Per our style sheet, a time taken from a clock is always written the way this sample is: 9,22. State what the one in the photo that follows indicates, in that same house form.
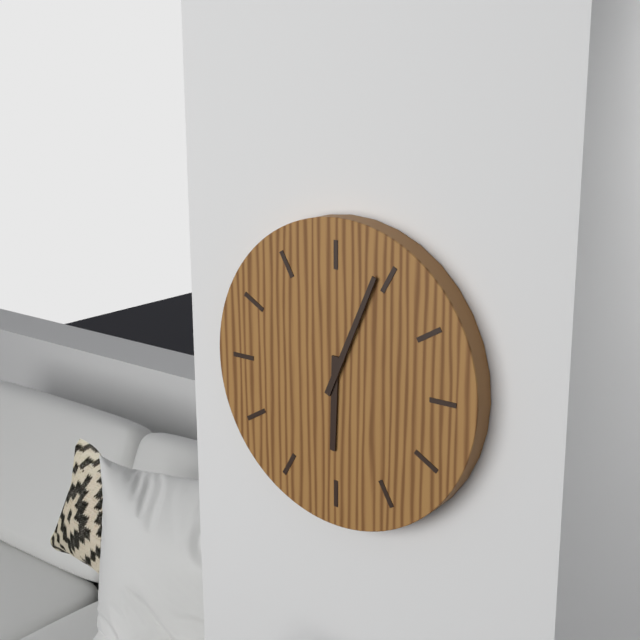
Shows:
6,04
